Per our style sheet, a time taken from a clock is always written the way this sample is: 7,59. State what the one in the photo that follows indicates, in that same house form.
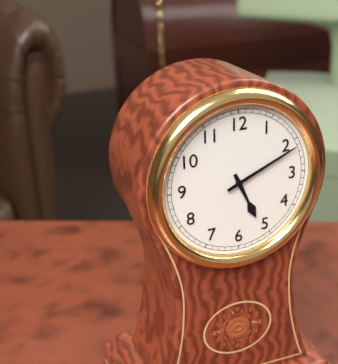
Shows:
5,11
